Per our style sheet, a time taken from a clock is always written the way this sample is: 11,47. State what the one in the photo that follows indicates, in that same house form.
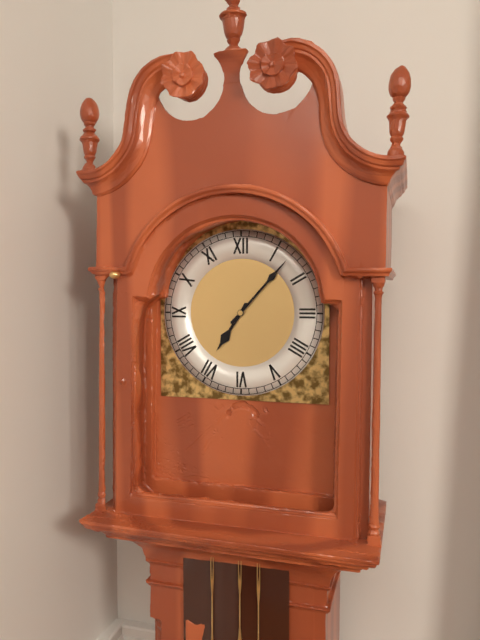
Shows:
7,07
